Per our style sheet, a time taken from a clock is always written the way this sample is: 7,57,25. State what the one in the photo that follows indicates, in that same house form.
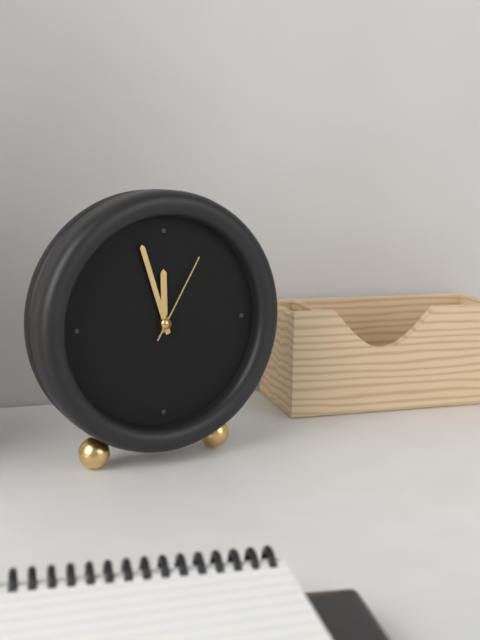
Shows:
11,57,05
